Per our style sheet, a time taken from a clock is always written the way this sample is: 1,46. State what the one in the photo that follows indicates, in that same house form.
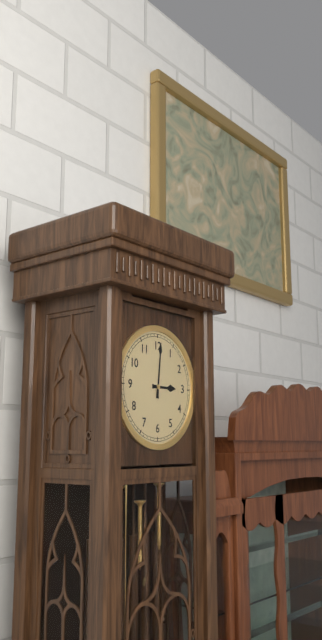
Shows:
3,01
